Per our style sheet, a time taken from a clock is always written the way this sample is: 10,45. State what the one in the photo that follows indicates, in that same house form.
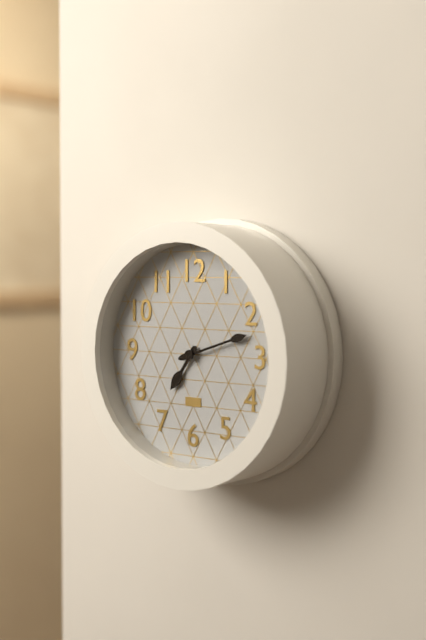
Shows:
7,12
